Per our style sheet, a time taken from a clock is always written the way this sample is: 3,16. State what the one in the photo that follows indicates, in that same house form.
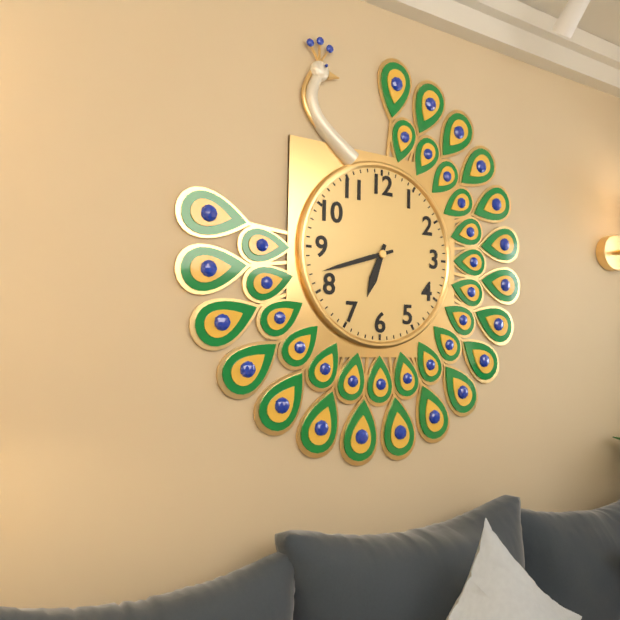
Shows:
6,42
